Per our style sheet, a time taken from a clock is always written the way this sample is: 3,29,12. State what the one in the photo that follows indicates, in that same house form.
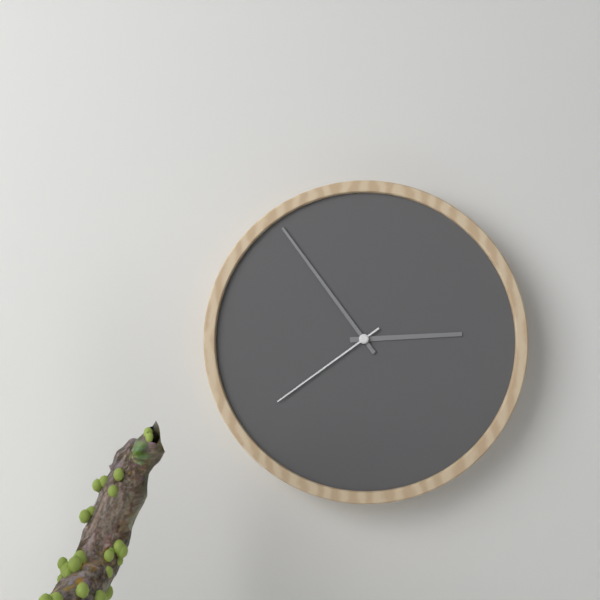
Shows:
2,54,39
